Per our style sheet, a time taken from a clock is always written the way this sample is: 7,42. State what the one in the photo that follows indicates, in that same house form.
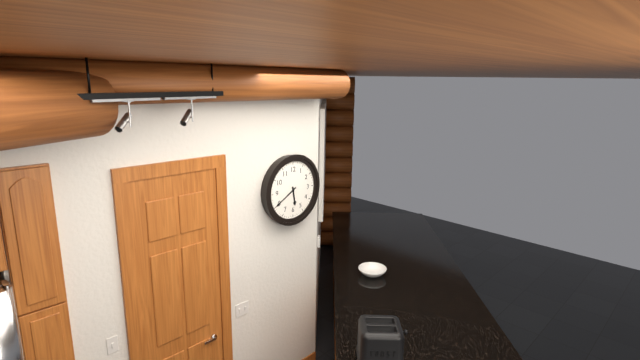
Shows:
5,40
